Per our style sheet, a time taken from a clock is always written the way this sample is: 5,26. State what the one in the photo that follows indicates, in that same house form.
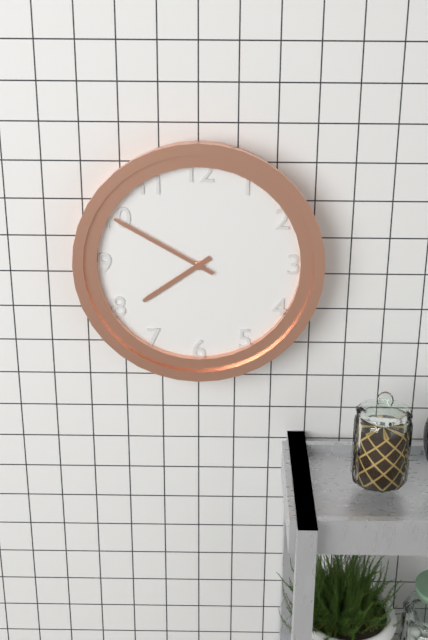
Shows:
7,50
